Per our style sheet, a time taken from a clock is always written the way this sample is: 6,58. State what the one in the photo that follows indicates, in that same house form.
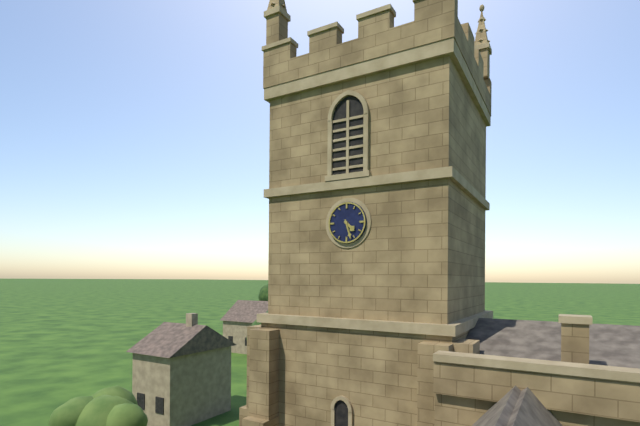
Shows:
4,27
